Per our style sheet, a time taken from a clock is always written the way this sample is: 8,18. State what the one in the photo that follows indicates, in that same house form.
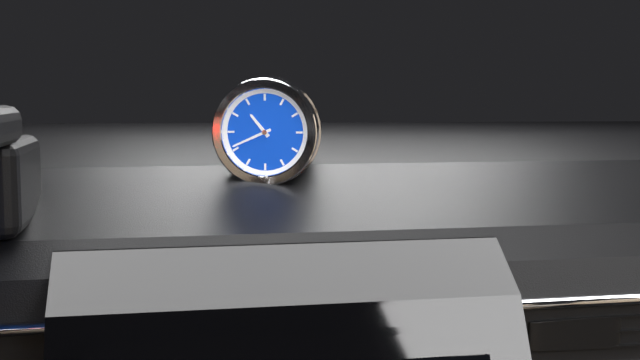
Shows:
10,41
